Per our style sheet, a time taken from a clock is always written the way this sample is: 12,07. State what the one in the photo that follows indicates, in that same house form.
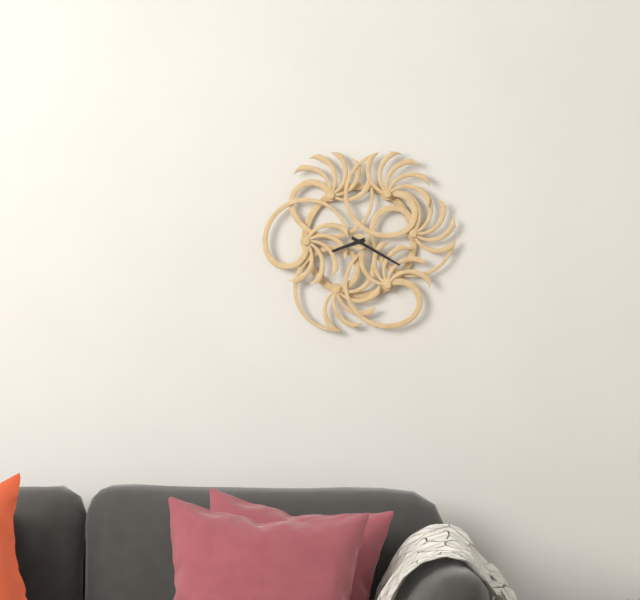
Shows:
8,20
